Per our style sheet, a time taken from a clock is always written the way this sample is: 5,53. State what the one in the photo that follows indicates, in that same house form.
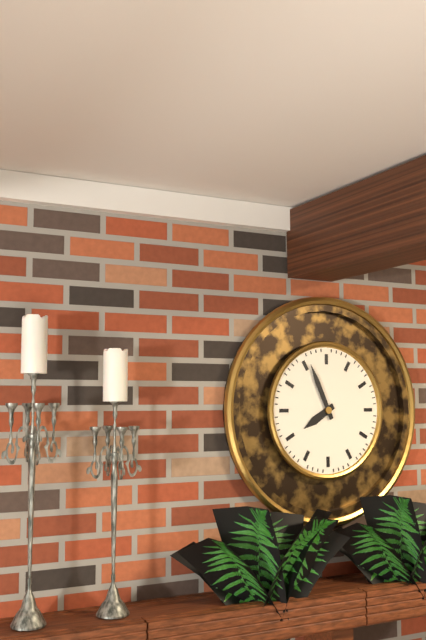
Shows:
7,56
